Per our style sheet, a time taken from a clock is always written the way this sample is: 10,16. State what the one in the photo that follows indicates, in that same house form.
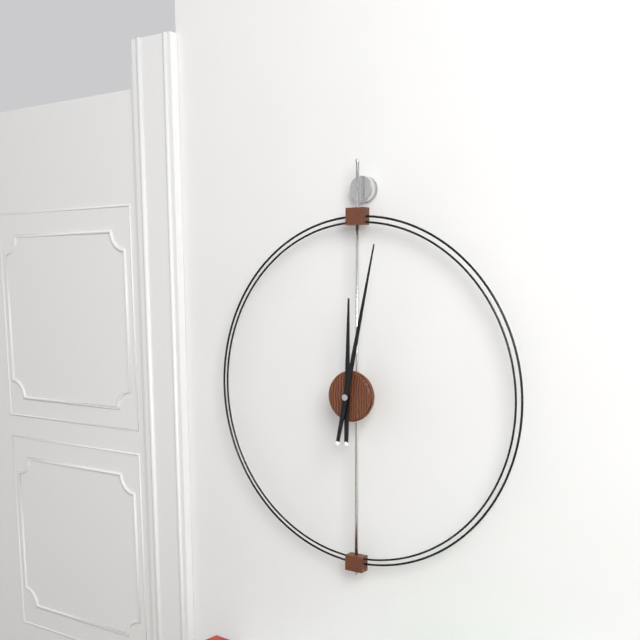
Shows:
12,02
